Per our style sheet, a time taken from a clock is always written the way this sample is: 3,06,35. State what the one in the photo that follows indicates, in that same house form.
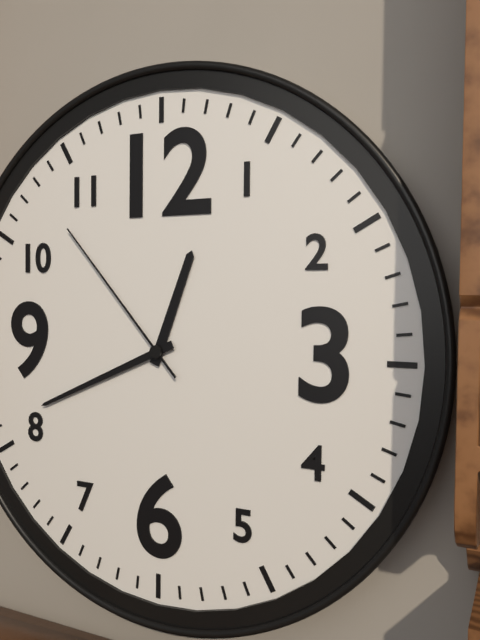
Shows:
12,41,53
